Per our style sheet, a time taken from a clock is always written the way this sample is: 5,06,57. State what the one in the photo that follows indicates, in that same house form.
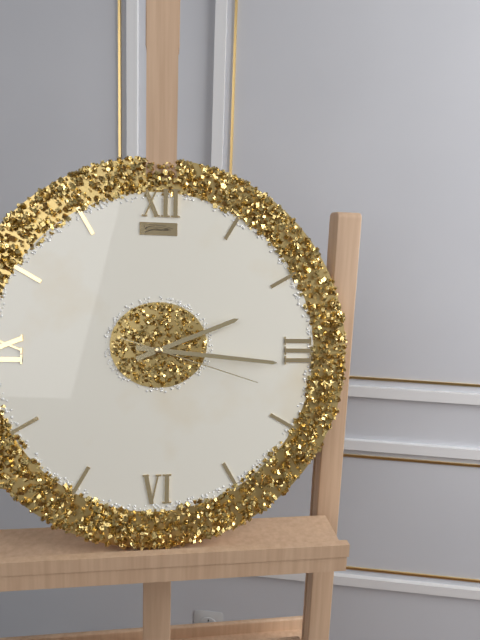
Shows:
2,16,18
